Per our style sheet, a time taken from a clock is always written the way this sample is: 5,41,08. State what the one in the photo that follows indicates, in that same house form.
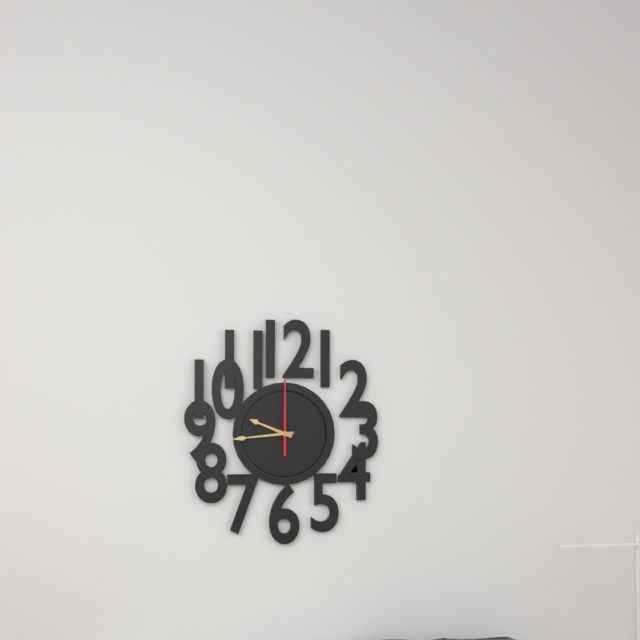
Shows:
9,44,00
